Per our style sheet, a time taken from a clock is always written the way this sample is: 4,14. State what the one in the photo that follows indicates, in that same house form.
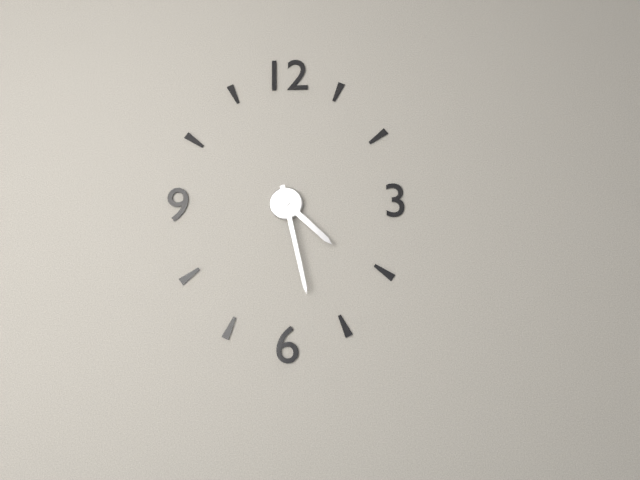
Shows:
4,28
